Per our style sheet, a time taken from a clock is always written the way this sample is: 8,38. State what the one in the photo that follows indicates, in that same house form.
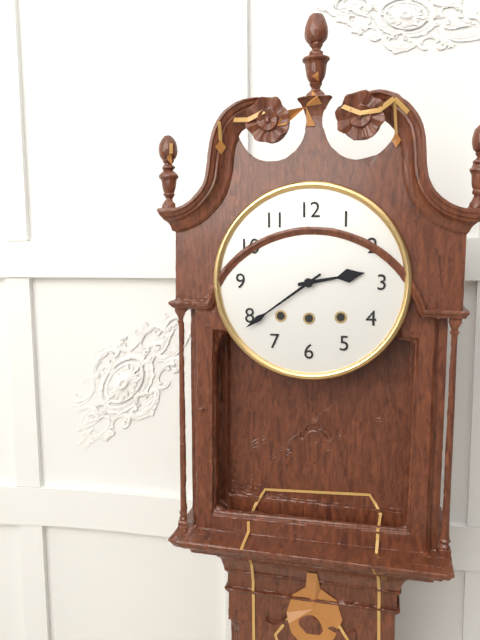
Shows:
2,39
